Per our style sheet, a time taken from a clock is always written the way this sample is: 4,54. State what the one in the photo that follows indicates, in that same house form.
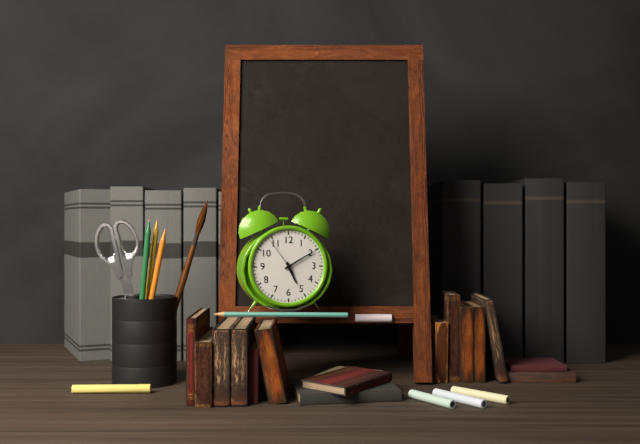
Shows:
5,10
